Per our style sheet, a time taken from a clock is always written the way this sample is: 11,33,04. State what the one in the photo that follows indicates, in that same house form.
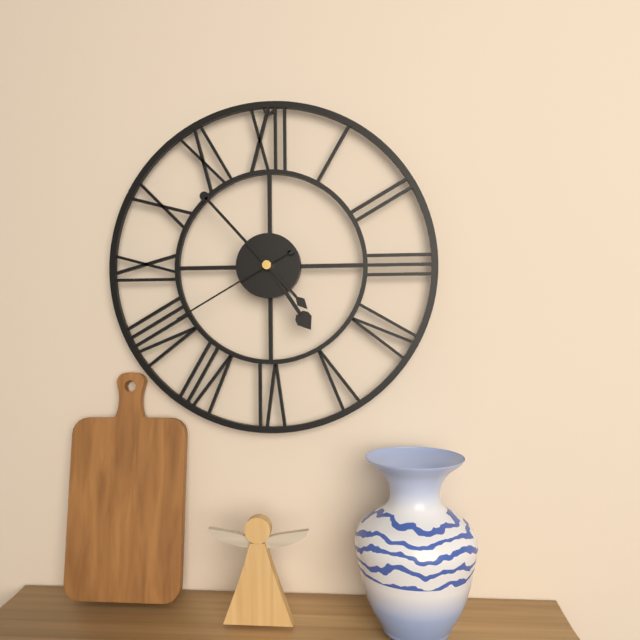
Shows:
4,53,40
